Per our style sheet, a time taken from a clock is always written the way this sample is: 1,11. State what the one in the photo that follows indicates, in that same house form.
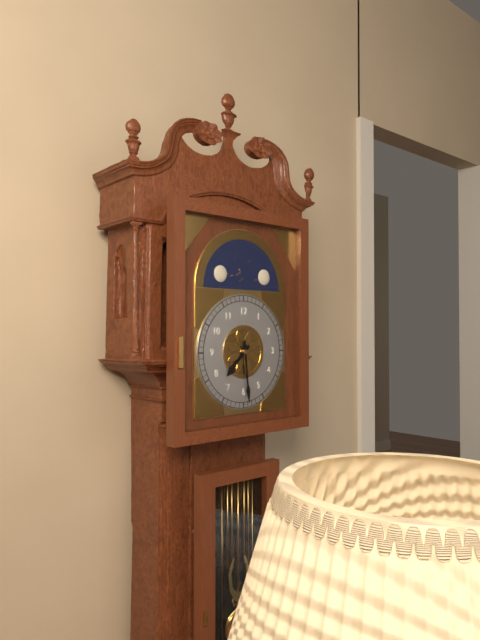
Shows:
7,29
